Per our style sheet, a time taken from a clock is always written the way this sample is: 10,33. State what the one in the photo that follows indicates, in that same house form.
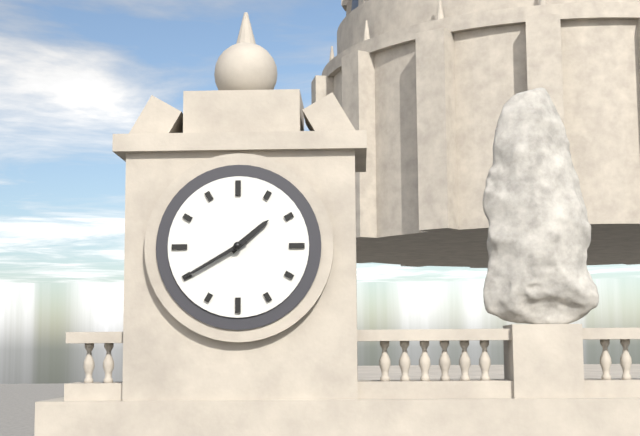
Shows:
1,40
